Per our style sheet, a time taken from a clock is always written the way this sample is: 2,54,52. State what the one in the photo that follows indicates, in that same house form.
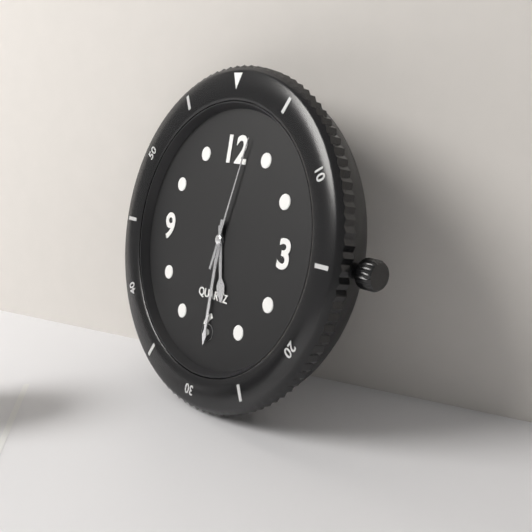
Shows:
5,30,02
